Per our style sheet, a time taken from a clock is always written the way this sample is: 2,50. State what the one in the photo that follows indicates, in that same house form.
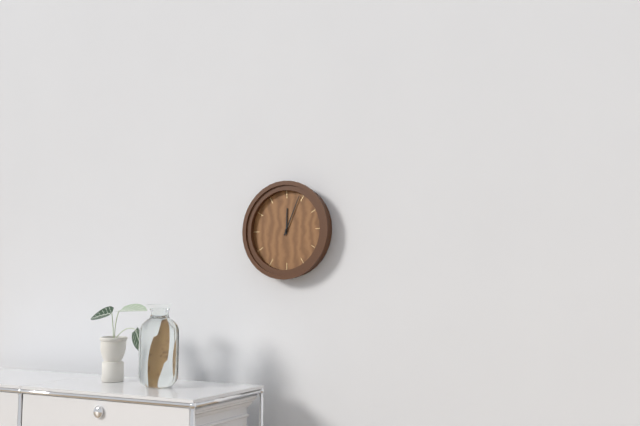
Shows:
12,04
